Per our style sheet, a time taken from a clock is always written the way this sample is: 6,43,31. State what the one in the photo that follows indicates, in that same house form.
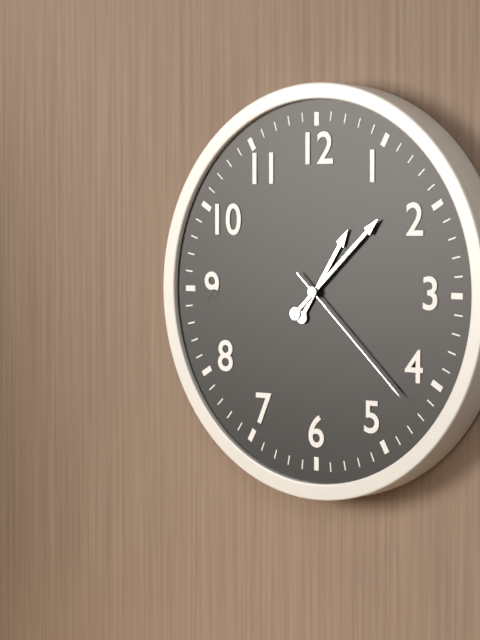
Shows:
1,08,22
